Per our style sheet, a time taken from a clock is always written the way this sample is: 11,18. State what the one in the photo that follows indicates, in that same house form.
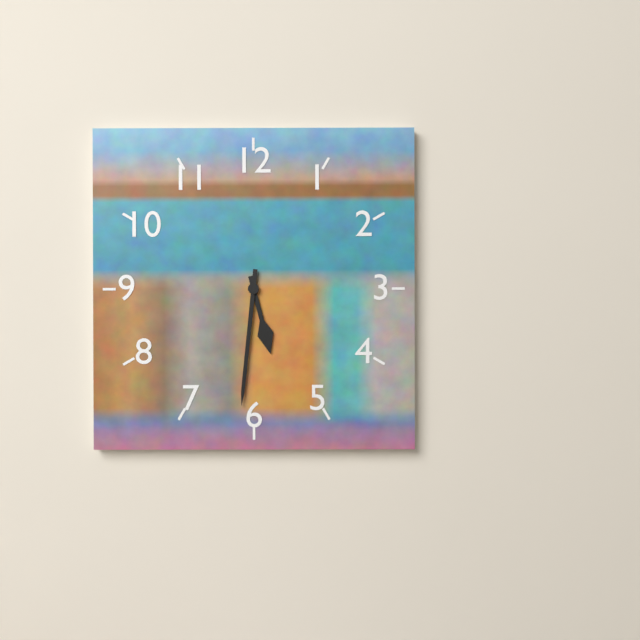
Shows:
5,31
